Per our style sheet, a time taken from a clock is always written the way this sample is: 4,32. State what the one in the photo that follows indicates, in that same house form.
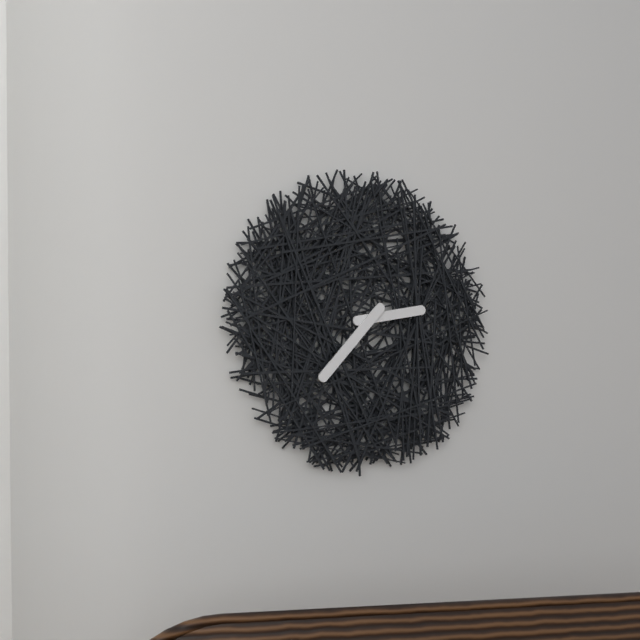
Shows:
2,37
